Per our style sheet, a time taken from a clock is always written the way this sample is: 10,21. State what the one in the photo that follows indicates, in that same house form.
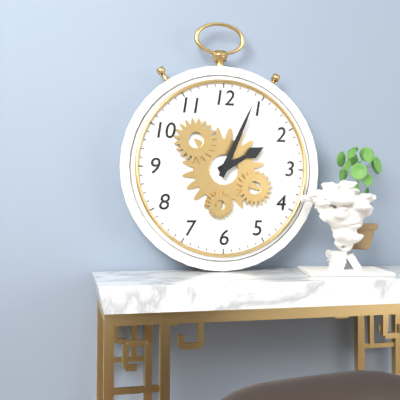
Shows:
2,04
